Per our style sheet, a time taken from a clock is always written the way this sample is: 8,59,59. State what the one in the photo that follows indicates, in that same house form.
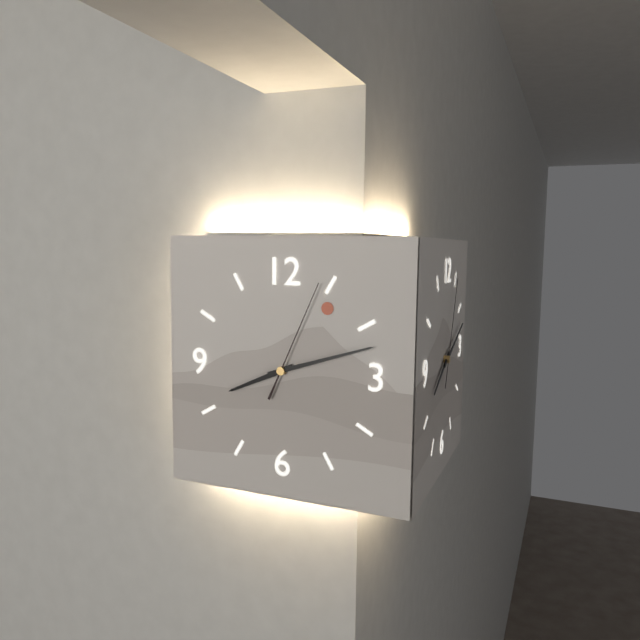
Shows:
8,12,04
